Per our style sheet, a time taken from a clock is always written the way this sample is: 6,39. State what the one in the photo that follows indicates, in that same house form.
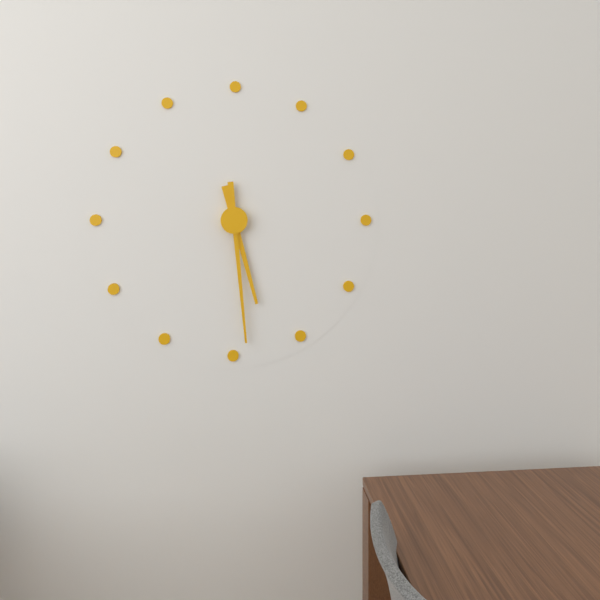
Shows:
5,29
